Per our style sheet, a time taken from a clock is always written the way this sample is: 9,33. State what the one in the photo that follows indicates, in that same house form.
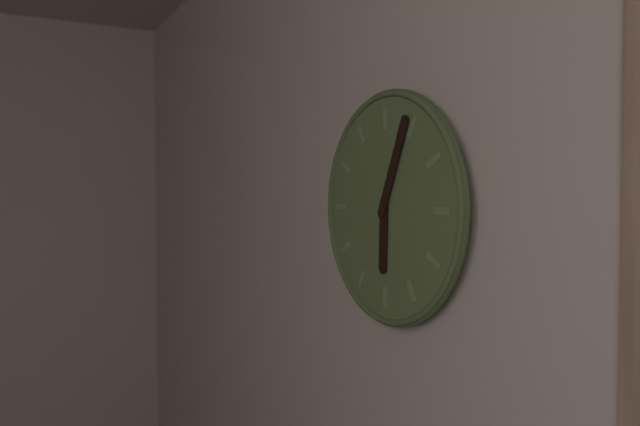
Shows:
6,04
